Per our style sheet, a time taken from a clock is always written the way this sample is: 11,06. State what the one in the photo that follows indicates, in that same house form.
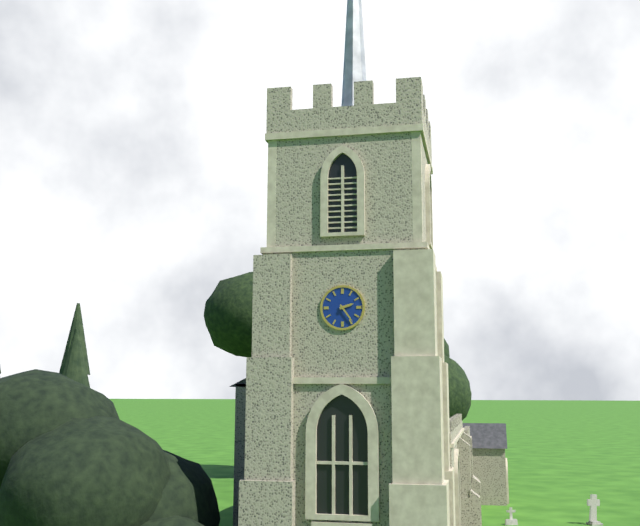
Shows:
2,24
